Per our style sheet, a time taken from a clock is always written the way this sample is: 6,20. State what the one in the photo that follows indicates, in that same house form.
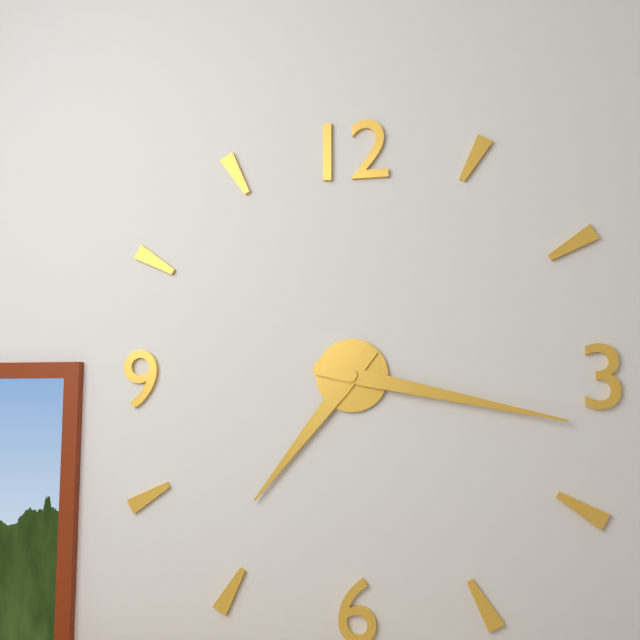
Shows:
7,17
